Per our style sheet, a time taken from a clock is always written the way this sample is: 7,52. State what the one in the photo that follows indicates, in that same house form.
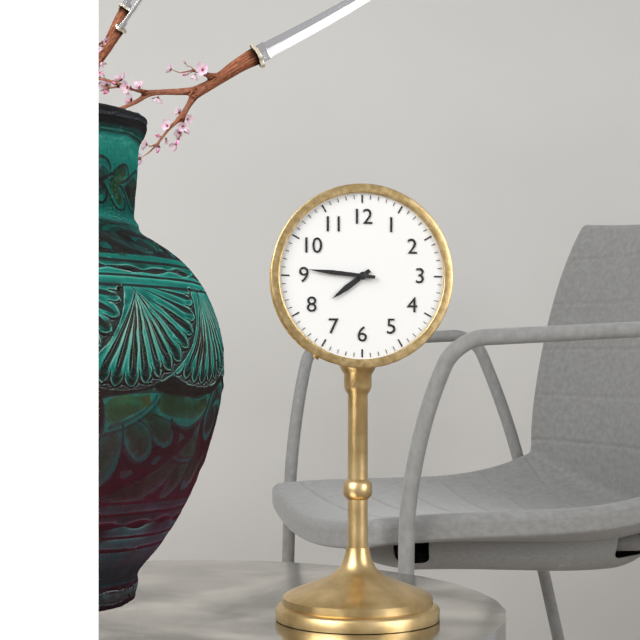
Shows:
7,46
